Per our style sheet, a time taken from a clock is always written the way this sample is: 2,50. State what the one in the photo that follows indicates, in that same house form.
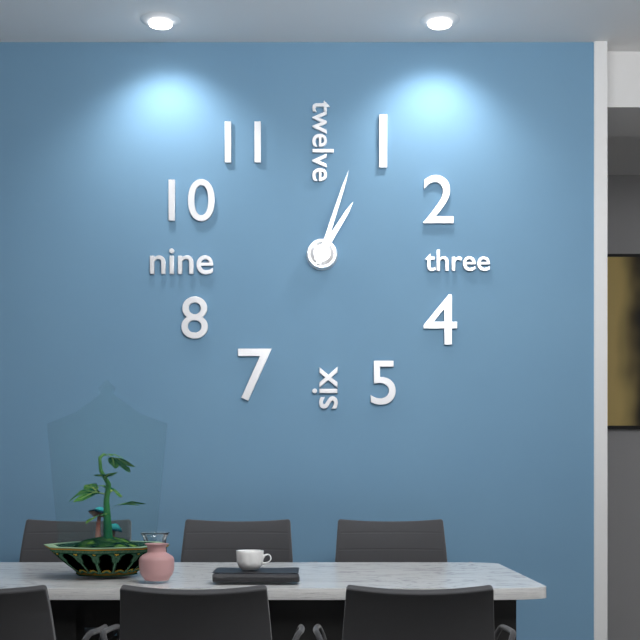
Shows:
1,03
